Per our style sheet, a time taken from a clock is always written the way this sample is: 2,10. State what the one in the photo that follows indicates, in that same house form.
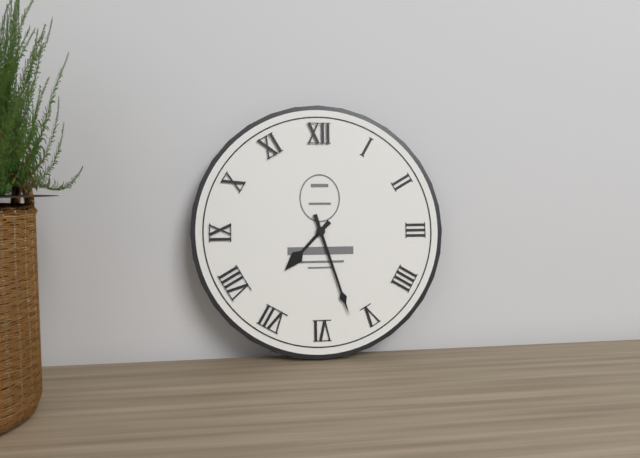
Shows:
7,27
